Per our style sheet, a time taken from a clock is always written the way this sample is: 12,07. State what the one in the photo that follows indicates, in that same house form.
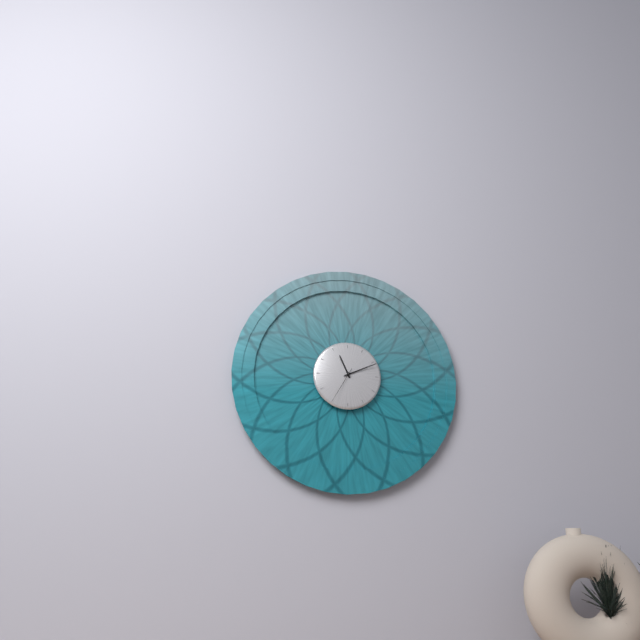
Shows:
11,11
